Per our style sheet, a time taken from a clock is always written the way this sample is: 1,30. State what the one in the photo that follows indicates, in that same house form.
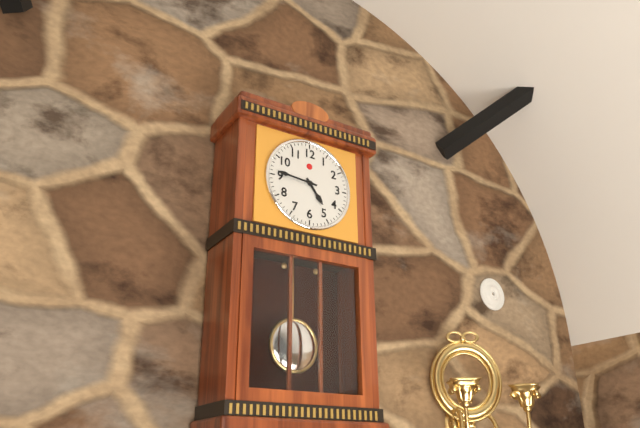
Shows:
4,46
